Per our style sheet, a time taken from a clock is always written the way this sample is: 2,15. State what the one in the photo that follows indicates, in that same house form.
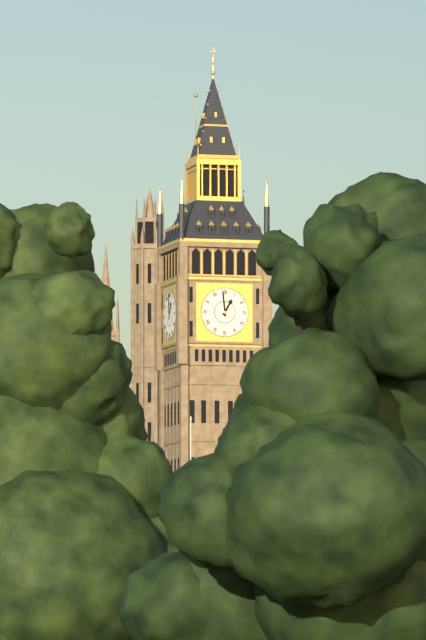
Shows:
12,59
